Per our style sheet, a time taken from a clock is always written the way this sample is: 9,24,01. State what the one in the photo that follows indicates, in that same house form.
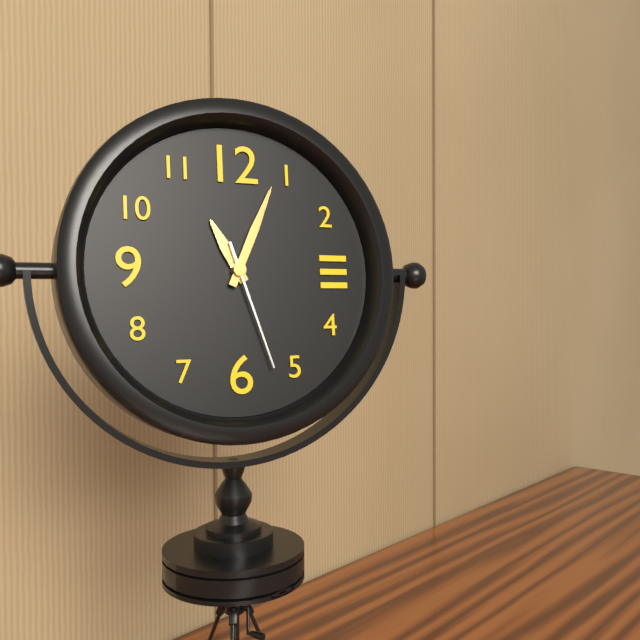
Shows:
11,04,27
